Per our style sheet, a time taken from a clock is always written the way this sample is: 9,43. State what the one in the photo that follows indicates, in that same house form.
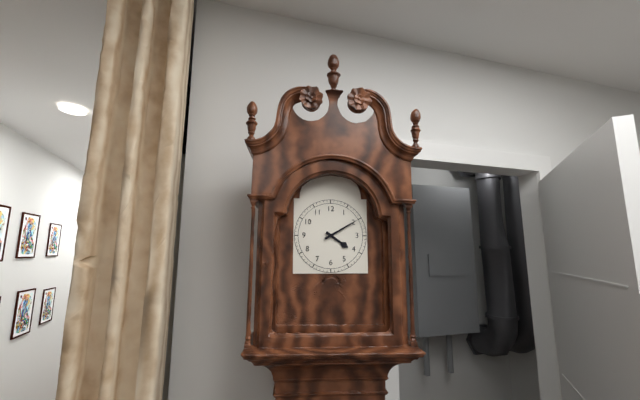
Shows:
4,10
